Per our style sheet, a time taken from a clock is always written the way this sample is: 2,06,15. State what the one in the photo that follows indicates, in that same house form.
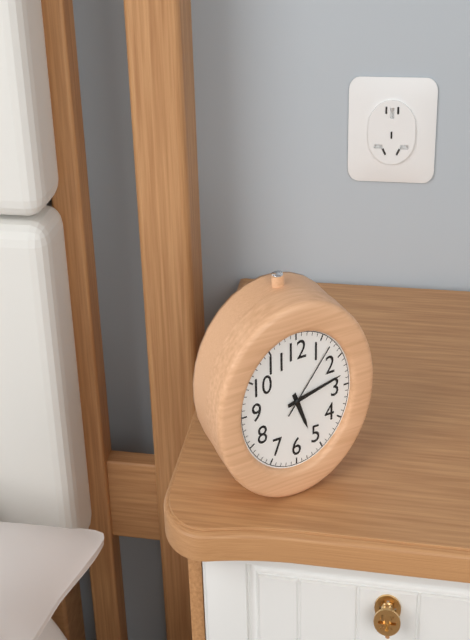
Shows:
5,13,07
